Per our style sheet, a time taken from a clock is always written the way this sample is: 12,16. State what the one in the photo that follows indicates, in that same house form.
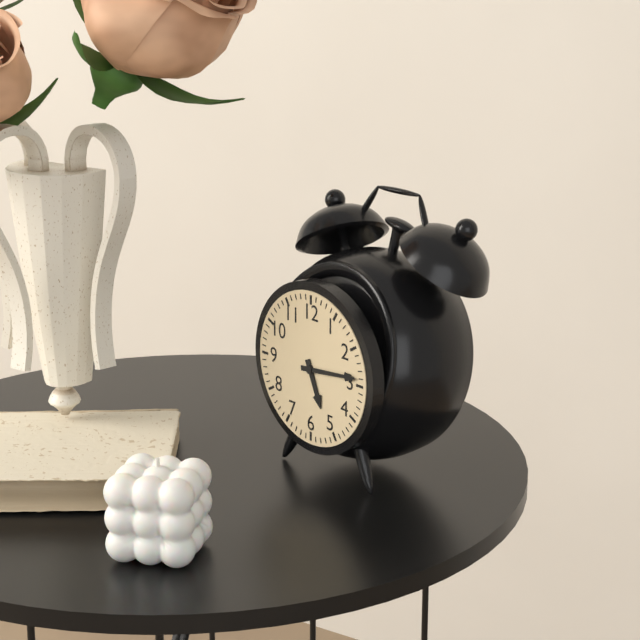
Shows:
5,14
